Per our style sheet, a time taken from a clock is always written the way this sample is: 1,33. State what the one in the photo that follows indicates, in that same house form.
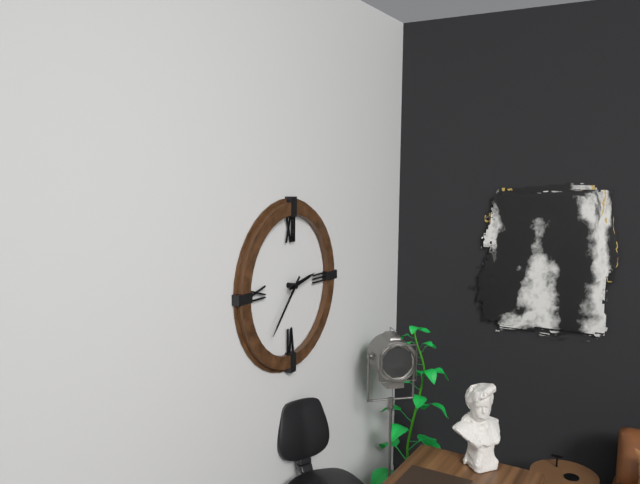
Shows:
2,37
